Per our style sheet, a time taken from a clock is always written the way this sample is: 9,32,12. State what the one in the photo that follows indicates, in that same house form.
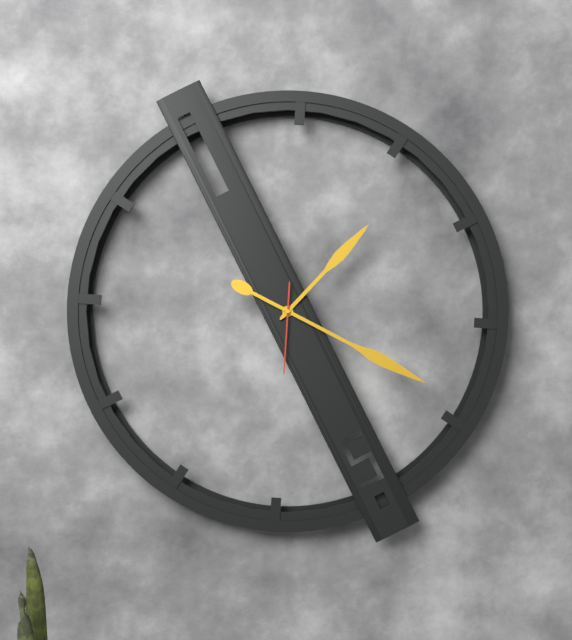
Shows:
1,19,30
